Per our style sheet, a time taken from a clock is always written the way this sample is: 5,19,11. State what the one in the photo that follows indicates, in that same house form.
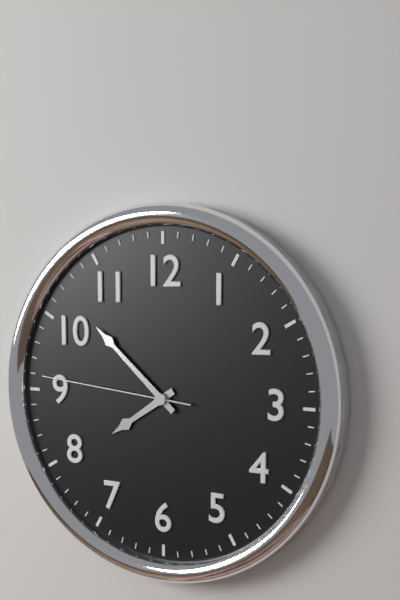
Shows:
7,52,46
